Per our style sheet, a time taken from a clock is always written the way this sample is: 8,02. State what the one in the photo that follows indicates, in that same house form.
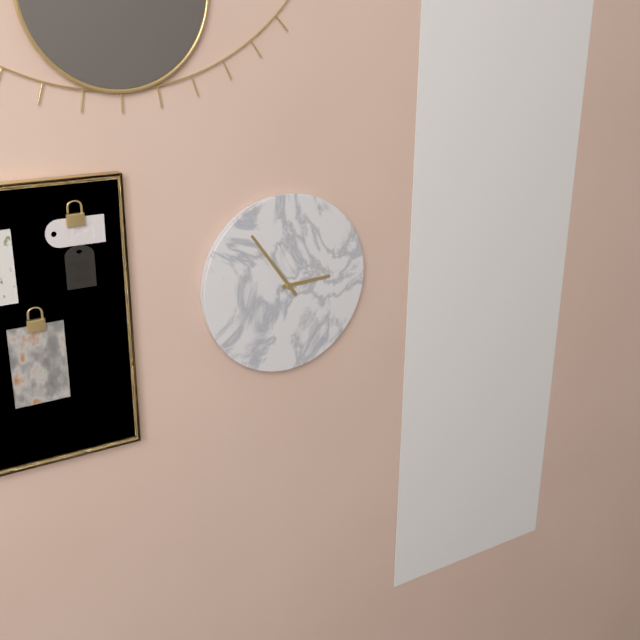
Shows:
2,54
